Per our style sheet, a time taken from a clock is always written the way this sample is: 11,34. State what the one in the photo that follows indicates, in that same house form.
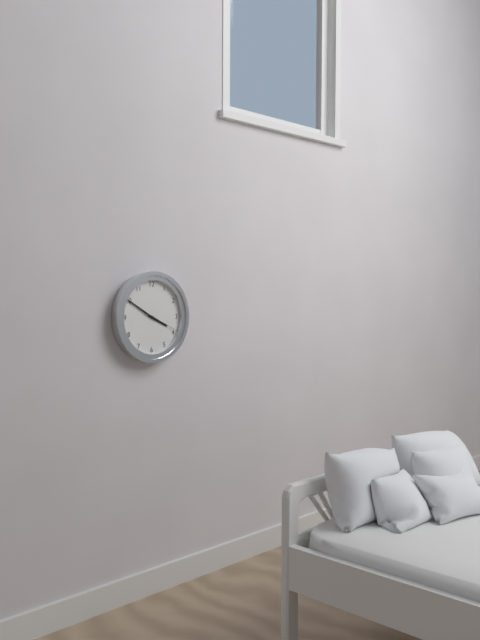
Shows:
3,50
